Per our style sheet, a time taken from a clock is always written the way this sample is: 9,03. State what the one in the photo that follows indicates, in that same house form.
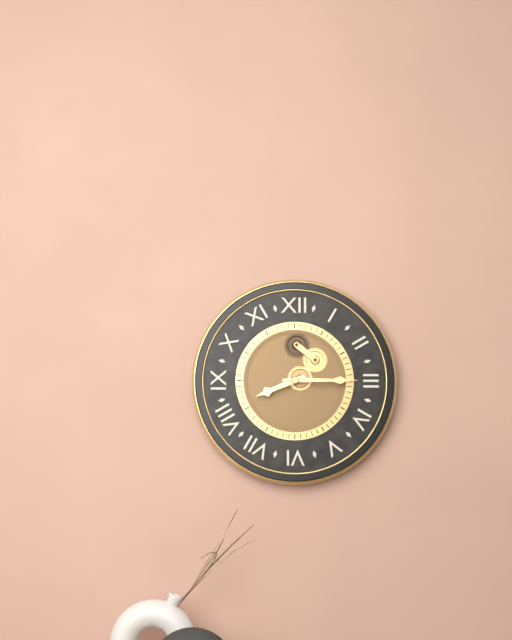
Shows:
8,15
